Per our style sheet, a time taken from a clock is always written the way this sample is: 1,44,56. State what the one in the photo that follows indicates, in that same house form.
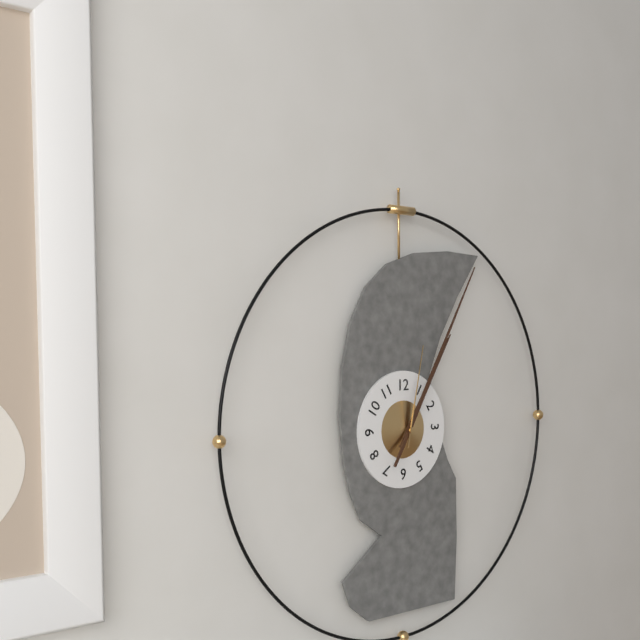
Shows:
1,05,02
